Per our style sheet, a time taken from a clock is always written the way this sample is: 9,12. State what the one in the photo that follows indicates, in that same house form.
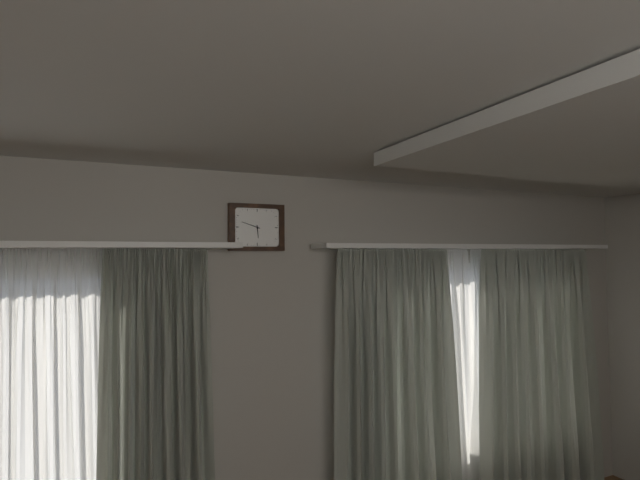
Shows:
5,48
